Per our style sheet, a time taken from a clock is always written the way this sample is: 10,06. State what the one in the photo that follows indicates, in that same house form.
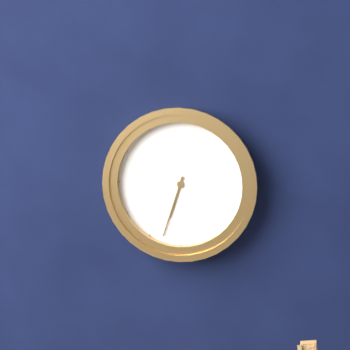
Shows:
6,33
